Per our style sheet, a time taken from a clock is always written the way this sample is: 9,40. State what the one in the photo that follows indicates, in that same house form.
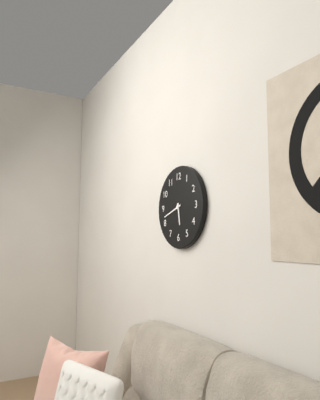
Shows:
5,42
